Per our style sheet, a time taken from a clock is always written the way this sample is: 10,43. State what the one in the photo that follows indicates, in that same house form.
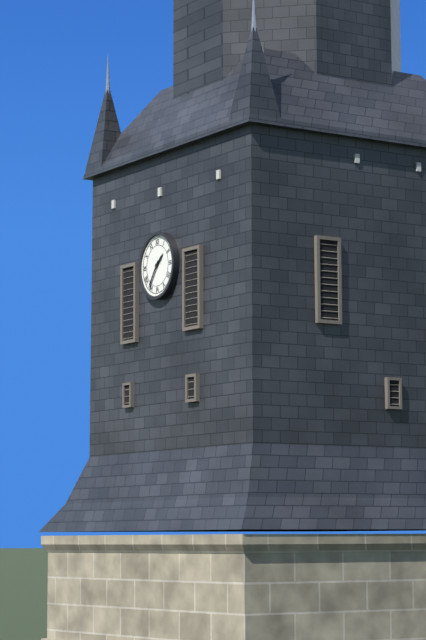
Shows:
1,36
